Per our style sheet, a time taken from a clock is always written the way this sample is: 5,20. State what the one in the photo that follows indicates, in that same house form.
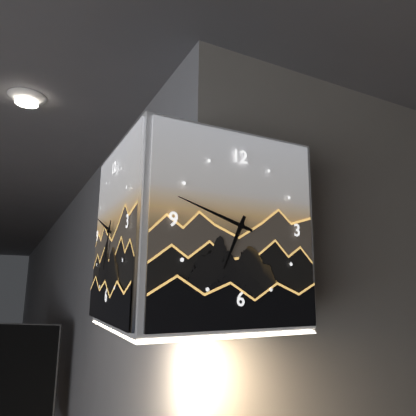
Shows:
6,48
